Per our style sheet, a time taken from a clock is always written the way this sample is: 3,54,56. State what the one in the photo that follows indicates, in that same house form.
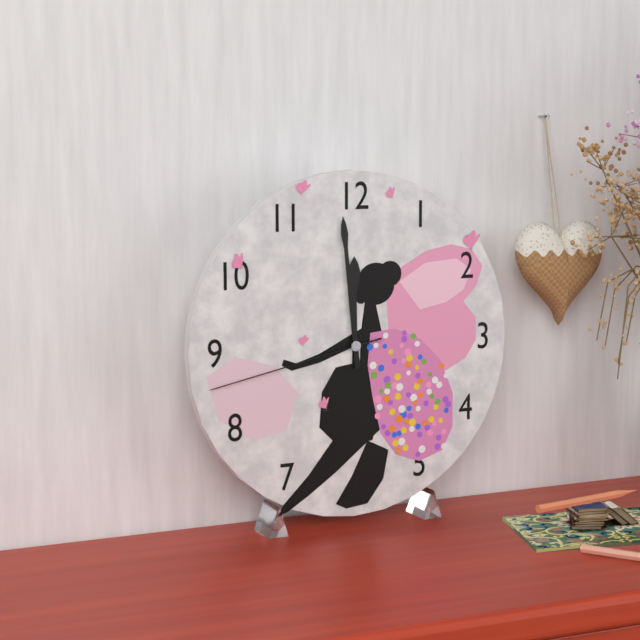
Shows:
11,59,43
